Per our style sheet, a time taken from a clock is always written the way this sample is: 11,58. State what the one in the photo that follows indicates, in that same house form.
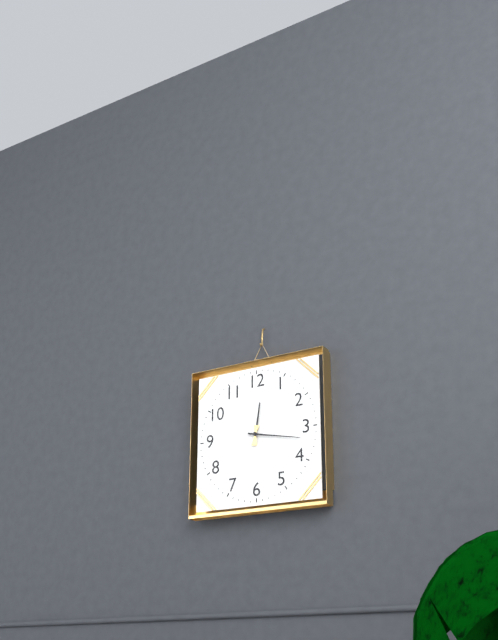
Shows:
12,17
